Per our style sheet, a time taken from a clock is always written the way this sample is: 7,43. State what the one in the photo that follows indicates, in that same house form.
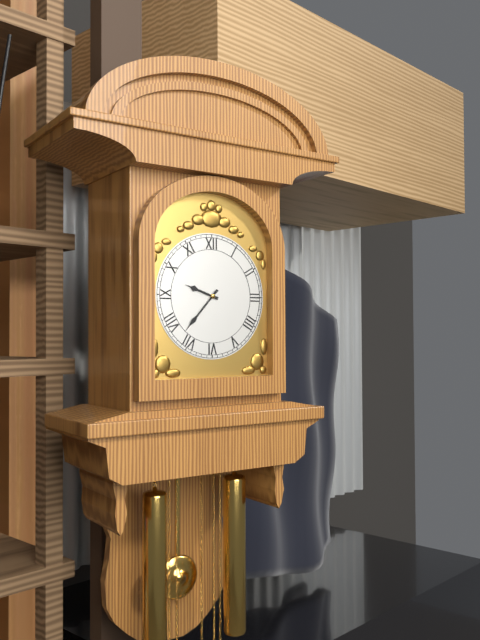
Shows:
9,37
